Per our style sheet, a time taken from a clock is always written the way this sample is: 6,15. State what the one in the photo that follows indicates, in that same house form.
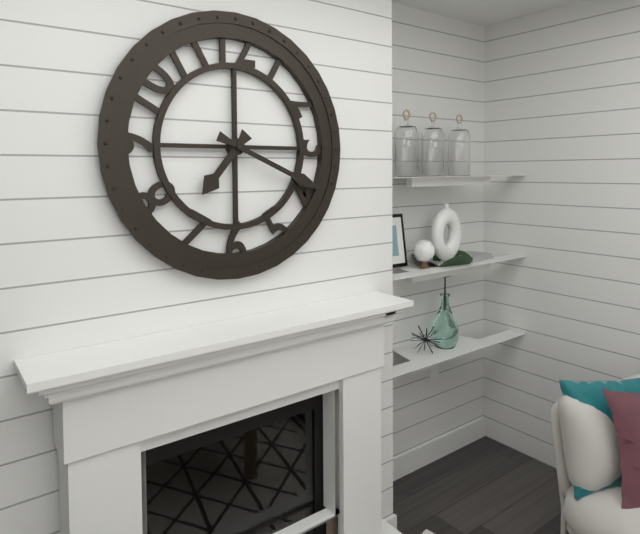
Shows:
7,19
